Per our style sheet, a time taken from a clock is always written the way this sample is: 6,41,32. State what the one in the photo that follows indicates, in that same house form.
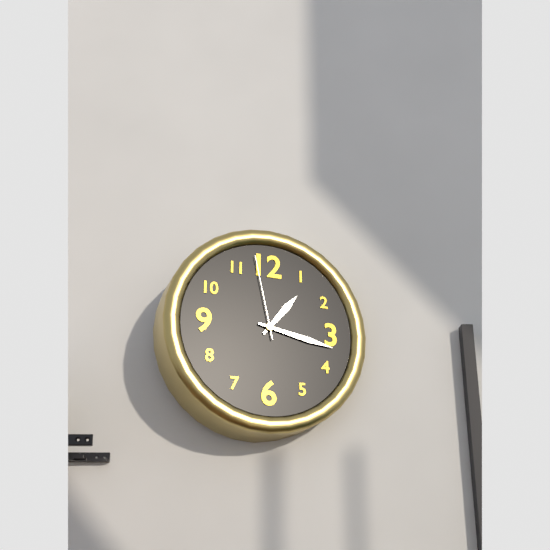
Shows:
1,17,58
